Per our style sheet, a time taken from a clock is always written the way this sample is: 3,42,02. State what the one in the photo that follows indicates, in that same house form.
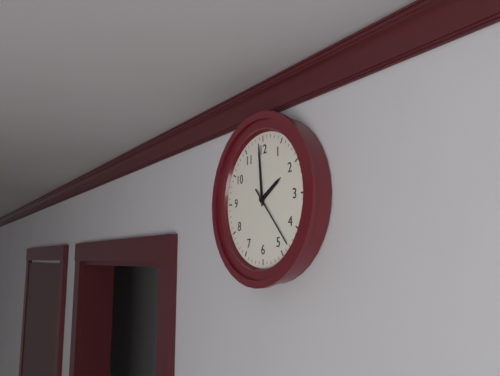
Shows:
1,59,23
